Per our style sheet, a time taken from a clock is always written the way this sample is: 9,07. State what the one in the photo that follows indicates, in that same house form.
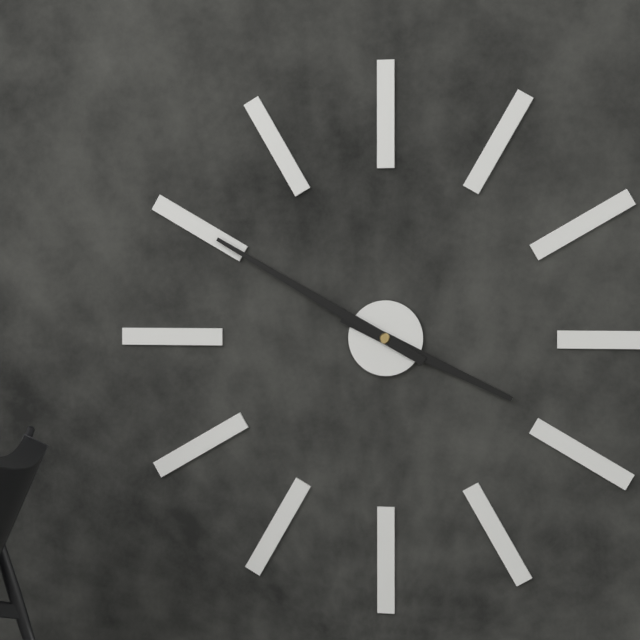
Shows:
3,50
